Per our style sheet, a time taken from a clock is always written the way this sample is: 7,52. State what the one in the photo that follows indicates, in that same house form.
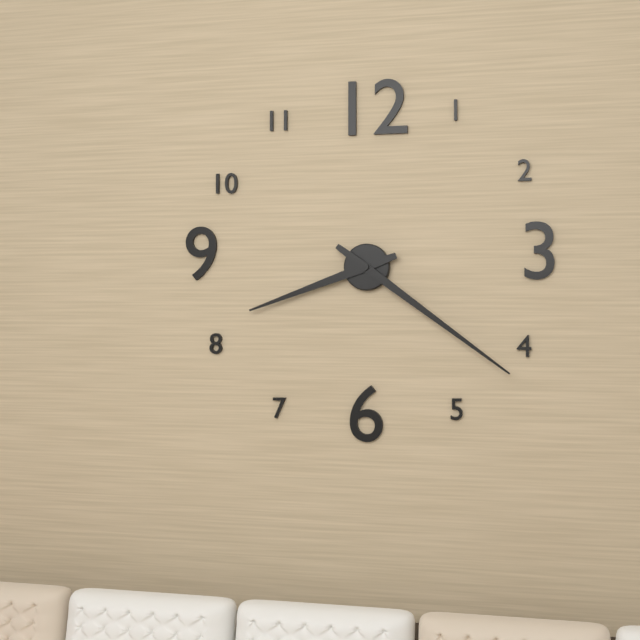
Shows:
8,21
